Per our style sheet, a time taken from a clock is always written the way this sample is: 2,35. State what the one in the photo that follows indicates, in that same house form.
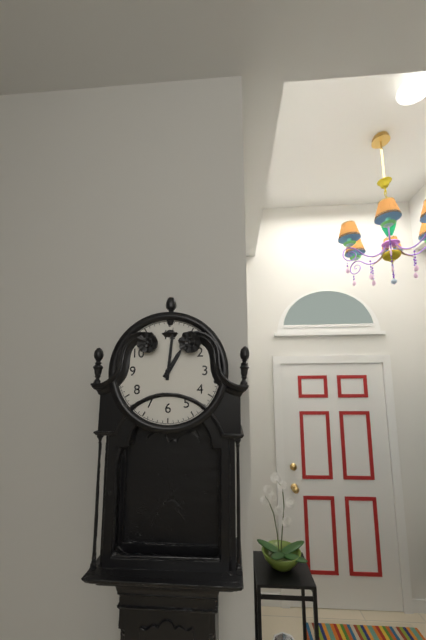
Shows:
1,01
